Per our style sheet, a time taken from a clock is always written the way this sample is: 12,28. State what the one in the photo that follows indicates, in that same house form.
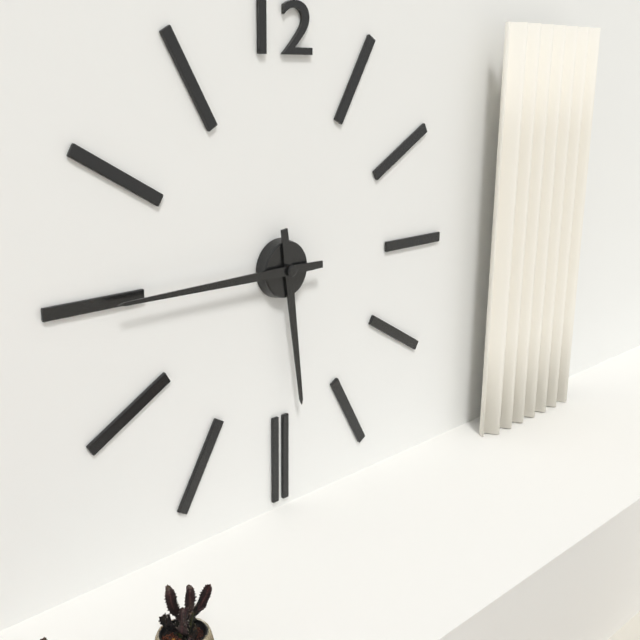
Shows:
5,45
